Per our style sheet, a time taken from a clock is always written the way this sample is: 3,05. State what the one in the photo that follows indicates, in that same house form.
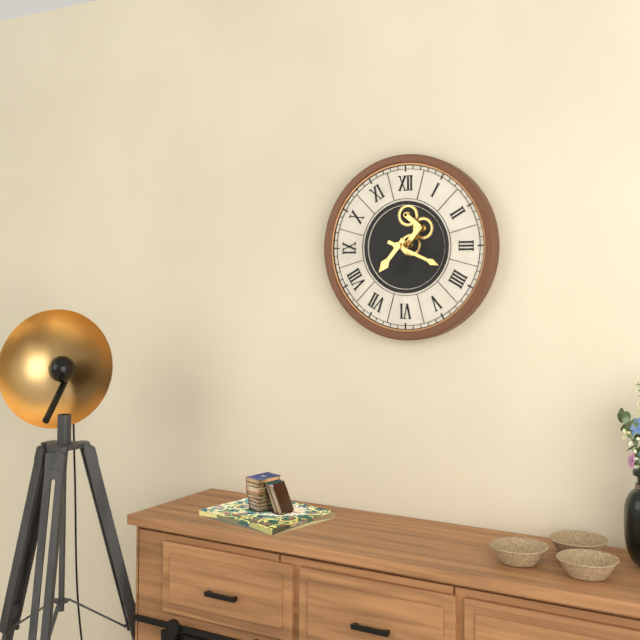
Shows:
7,19
